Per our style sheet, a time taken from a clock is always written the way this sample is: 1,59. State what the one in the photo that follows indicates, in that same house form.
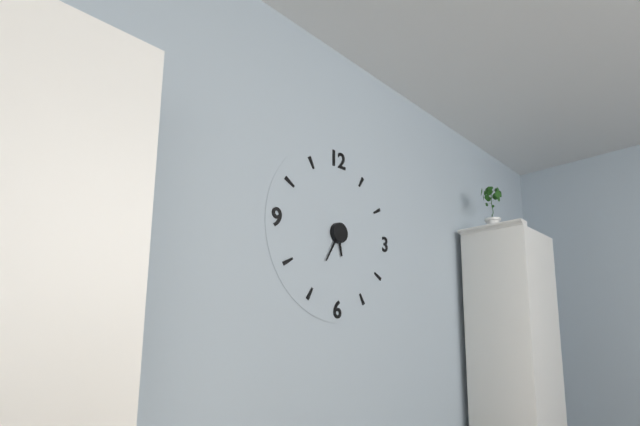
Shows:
5,35
